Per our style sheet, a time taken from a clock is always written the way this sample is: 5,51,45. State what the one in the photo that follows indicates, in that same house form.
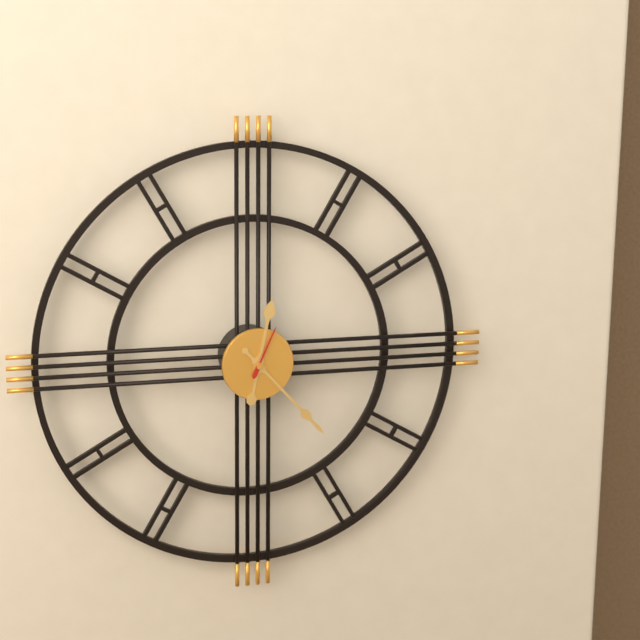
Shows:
12,23,04
